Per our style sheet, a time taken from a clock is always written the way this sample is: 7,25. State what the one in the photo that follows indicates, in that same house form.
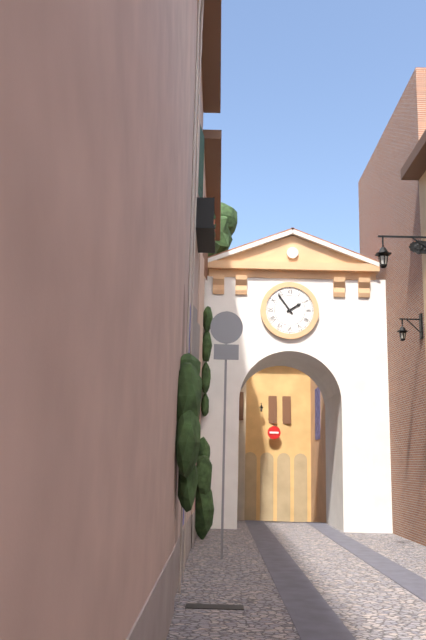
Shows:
1,54
